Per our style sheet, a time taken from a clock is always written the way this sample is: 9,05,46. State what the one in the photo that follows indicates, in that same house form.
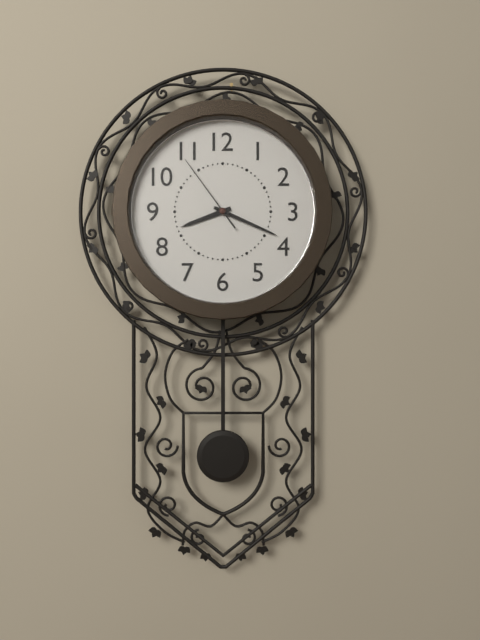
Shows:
8,19,54
